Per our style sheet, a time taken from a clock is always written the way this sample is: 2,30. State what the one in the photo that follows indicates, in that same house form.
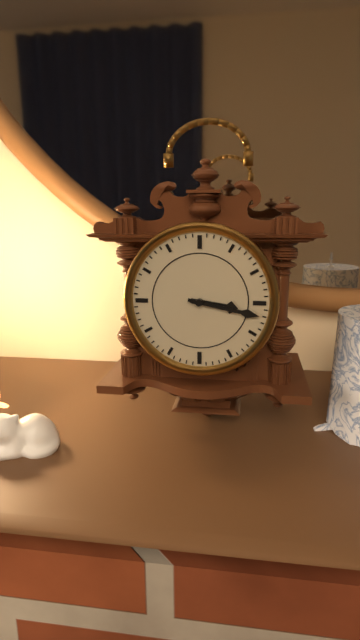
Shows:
3,17
